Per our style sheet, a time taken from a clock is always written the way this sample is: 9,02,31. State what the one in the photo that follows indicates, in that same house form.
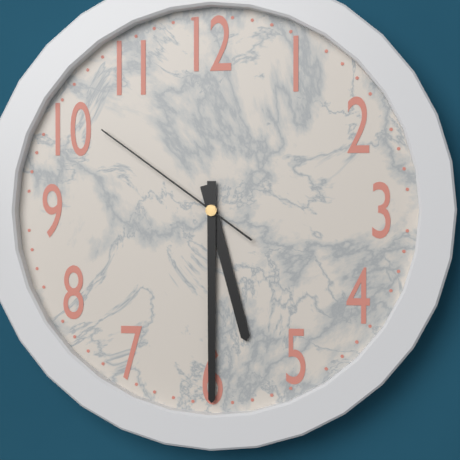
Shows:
5,30,51
